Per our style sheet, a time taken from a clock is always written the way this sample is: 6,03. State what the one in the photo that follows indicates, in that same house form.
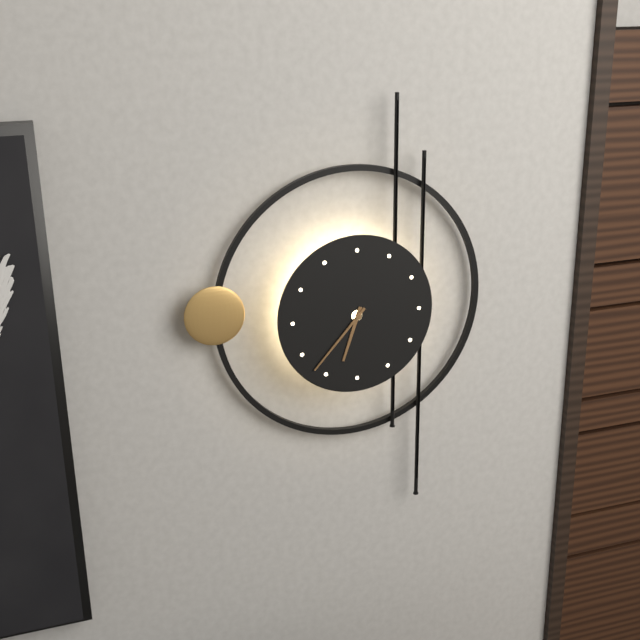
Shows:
6,37
